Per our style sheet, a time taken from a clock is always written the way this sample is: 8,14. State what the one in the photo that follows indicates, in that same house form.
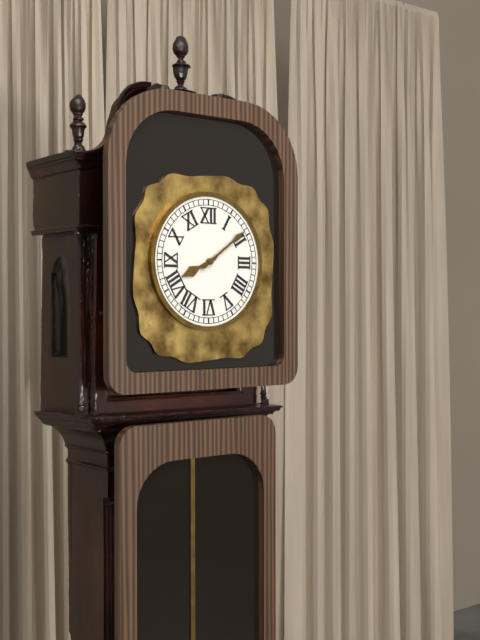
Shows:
8,09
